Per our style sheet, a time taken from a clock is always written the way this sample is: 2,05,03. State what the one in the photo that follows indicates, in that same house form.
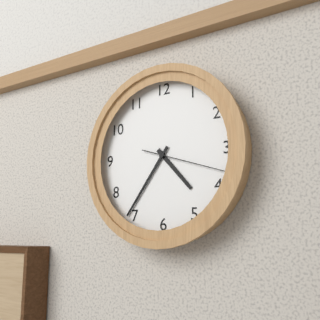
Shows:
4,36,18
